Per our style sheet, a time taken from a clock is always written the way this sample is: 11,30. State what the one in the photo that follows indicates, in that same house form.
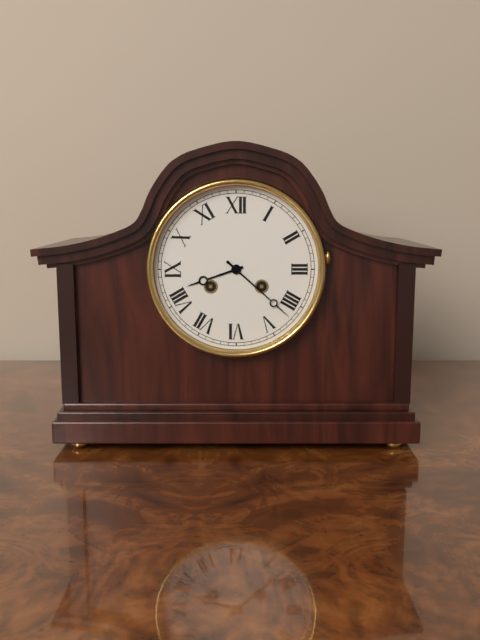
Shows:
8,22
